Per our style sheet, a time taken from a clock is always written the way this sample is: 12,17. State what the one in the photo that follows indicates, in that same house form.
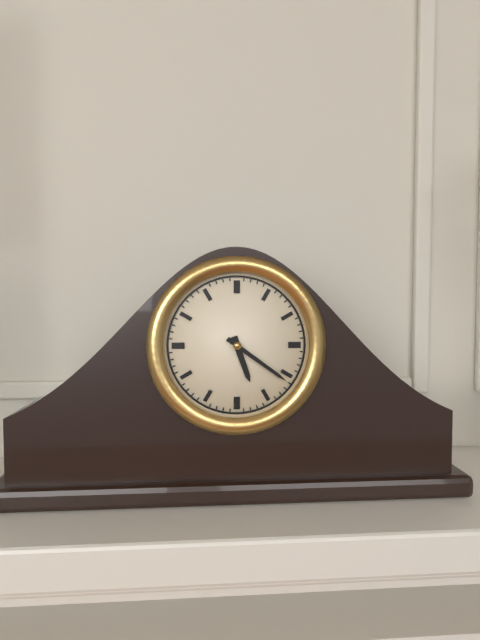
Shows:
5,21
